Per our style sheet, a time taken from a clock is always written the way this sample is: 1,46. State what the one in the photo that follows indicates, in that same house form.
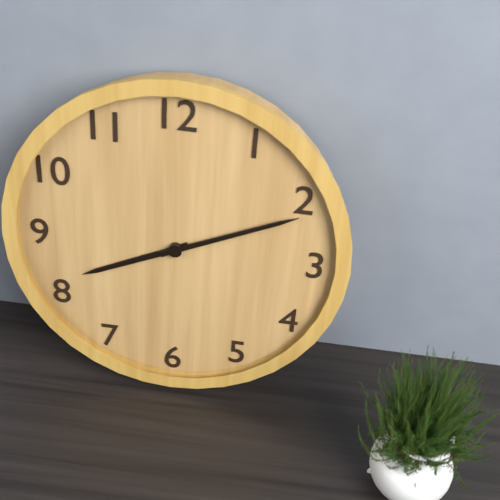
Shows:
8,11
